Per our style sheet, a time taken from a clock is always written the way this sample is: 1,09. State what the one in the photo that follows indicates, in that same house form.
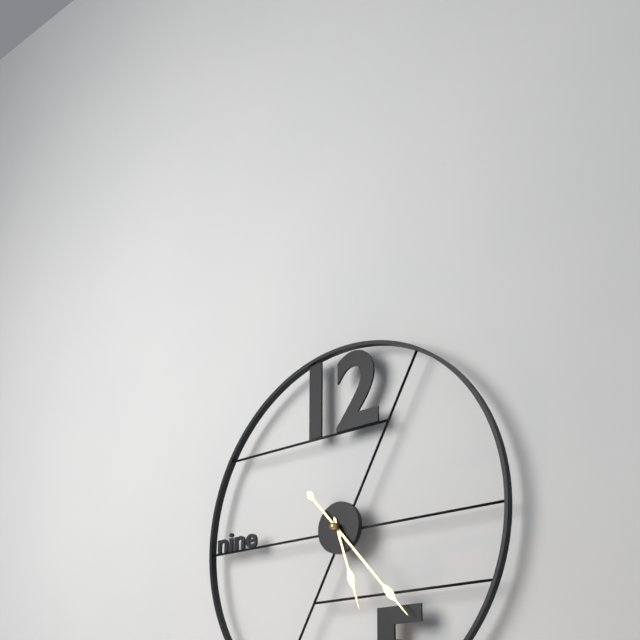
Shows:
5,23
